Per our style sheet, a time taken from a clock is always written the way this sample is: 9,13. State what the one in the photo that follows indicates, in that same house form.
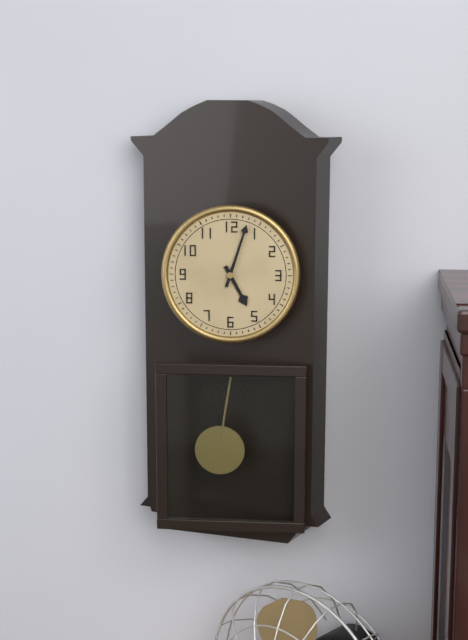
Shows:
5,03
